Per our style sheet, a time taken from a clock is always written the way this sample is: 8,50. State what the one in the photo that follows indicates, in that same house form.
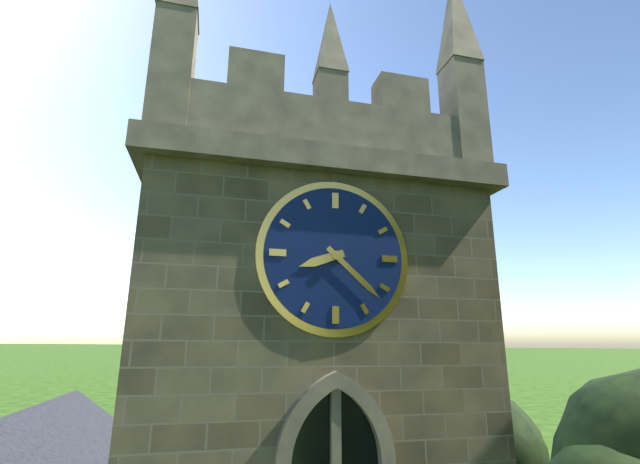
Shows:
8,22
